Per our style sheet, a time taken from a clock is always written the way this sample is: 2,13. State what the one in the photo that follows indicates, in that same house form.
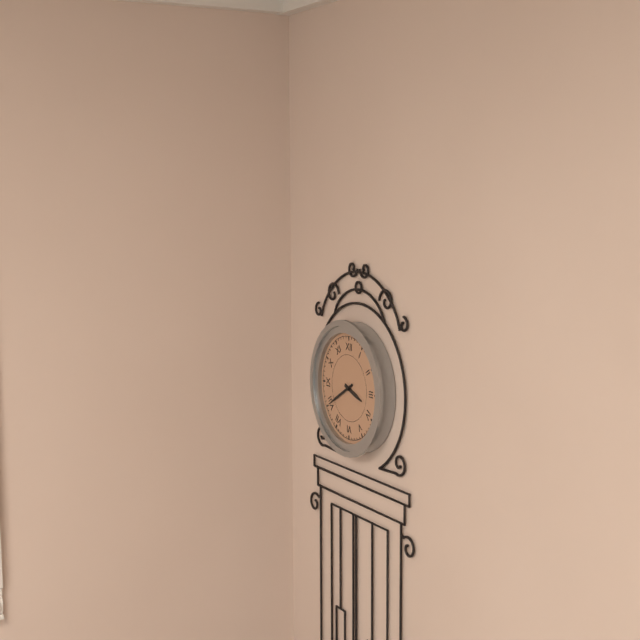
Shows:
3,40
